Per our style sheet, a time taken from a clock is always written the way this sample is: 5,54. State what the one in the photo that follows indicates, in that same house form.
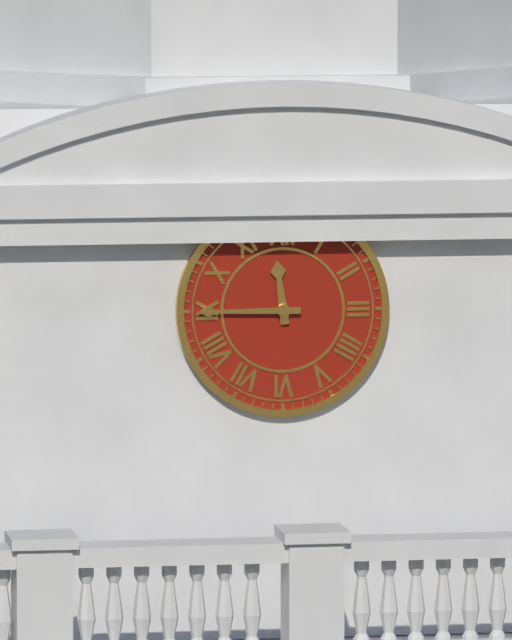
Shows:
11,45
